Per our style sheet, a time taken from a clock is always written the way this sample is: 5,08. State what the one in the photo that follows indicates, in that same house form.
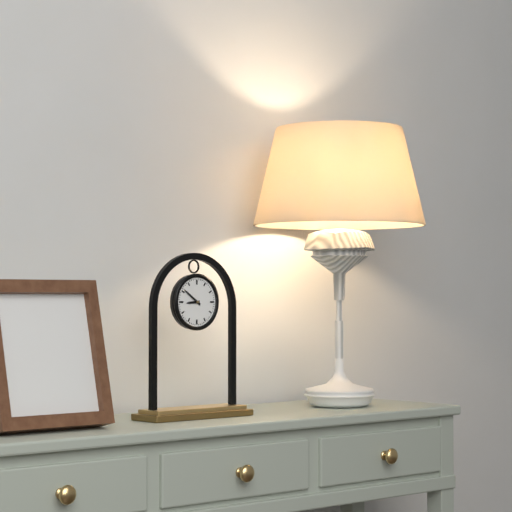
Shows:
8,51
